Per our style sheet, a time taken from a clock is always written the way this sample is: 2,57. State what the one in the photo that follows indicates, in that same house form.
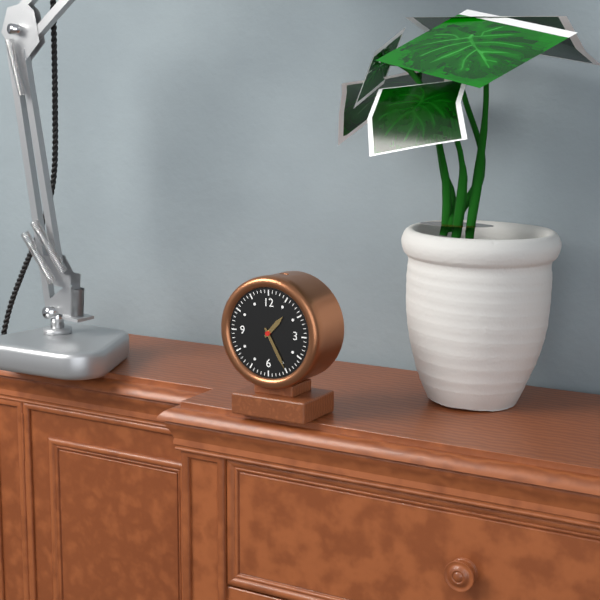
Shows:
1,25
